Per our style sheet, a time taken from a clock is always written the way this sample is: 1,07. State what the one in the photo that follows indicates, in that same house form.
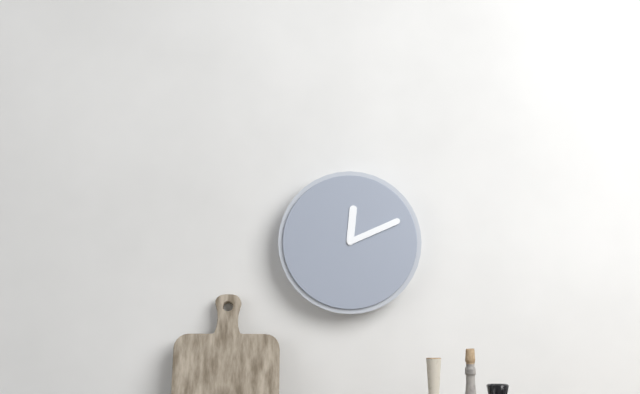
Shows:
12,11
